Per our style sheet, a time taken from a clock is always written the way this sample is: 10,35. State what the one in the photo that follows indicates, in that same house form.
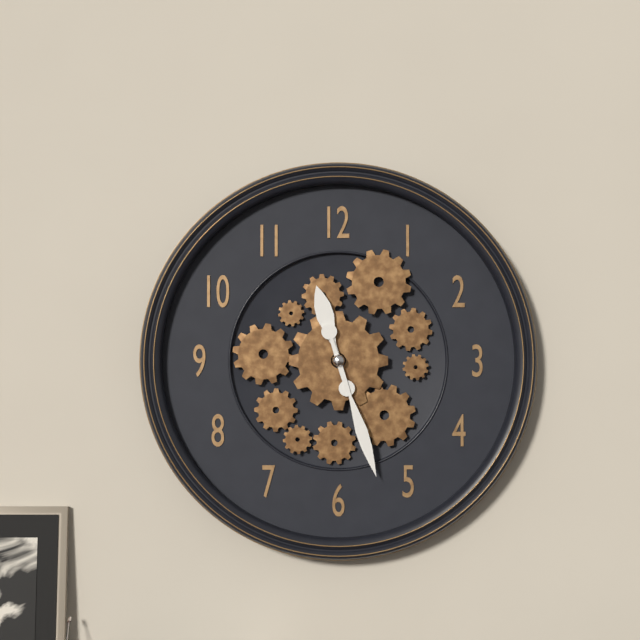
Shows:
11,27
